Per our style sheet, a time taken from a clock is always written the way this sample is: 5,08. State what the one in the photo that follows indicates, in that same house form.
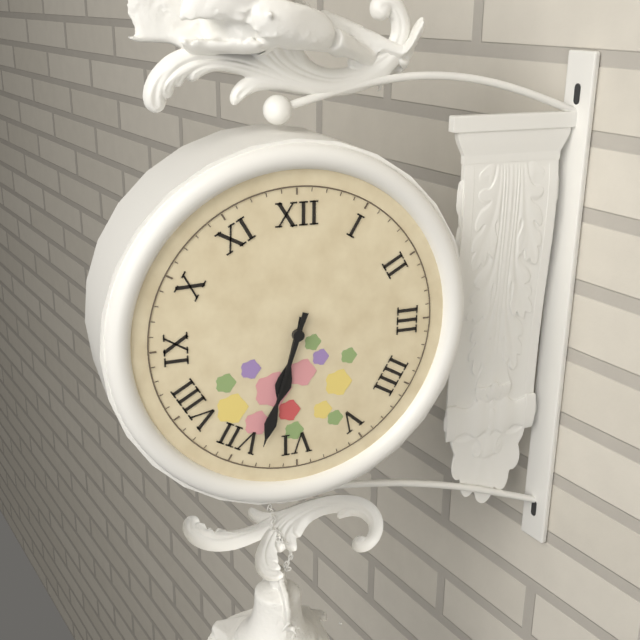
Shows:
6,33
